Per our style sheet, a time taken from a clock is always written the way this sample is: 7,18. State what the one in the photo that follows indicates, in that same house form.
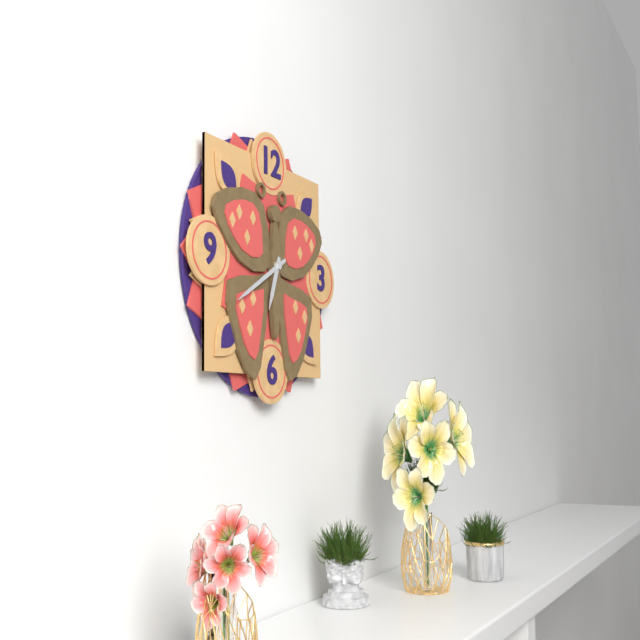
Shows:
6,40
